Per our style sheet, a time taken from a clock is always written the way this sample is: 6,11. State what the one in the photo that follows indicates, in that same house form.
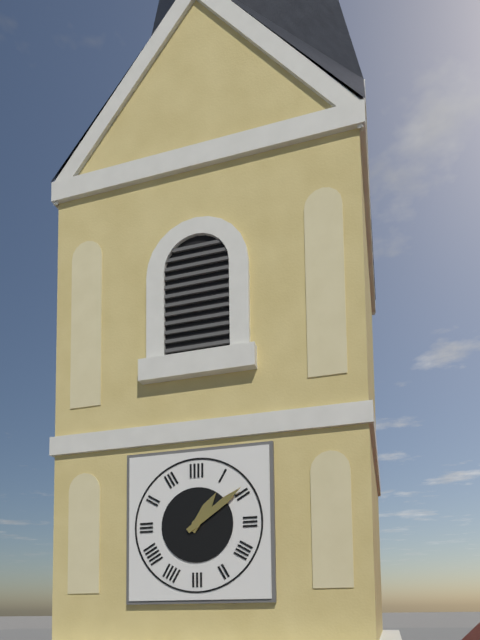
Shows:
1,09
